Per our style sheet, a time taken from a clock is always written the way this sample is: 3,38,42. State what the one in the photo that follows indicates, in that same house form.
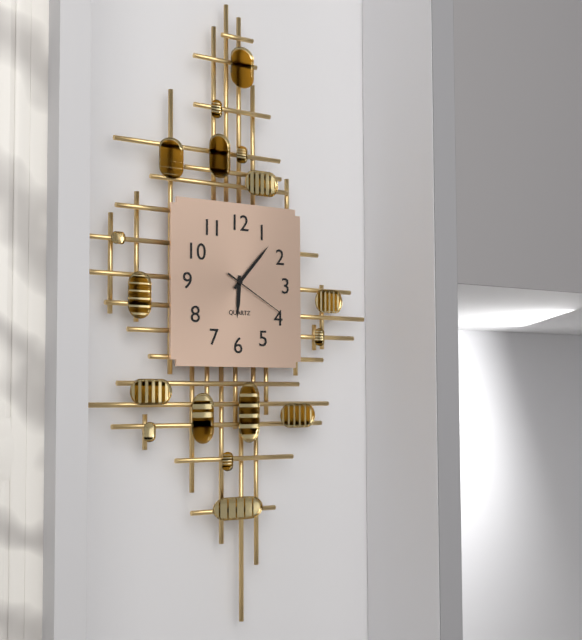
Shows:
6,07,20
